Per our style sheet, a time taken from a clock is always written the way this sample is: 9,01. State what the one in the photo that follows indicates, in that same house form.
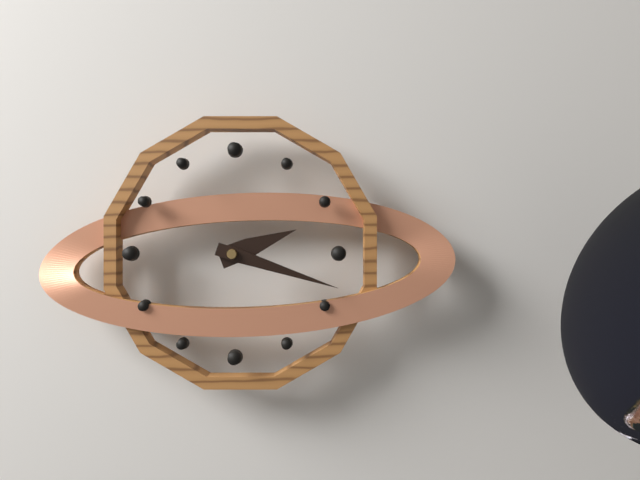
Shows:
2,18
